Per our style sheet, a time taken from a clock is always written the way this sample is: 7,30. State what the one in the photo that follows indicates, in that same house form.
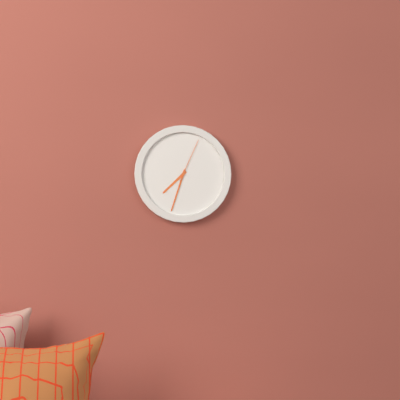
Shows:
7,33
